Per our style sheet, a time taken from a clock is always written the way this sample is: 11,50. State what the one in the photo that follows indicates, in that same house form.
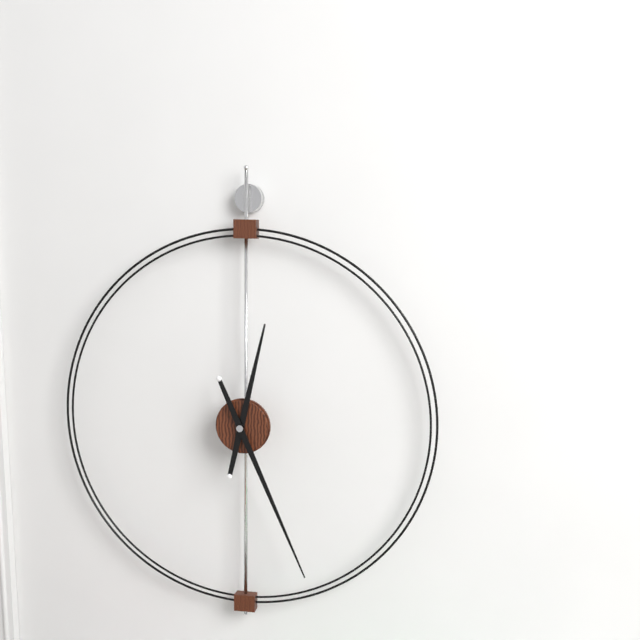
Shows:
12,26
